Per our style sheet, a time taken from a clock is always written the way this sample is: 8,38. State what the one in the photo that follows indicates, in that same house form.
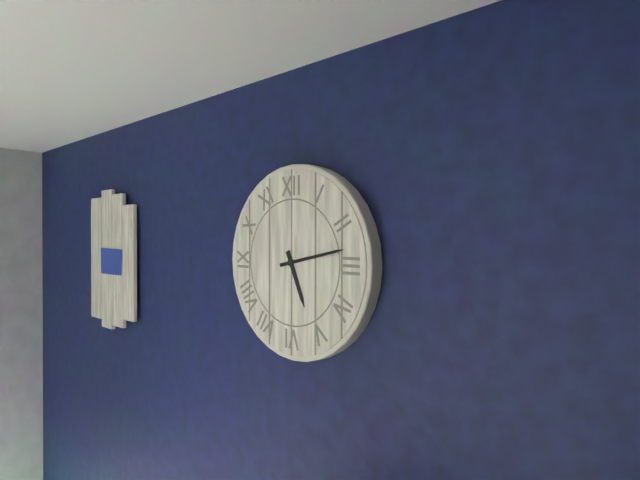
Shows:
5,13
